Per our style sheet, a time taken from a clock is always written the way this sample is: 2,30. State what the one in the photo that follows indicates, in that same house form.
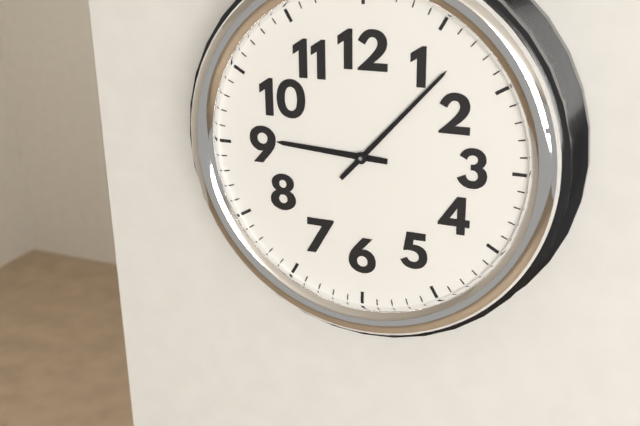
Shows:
9,07
